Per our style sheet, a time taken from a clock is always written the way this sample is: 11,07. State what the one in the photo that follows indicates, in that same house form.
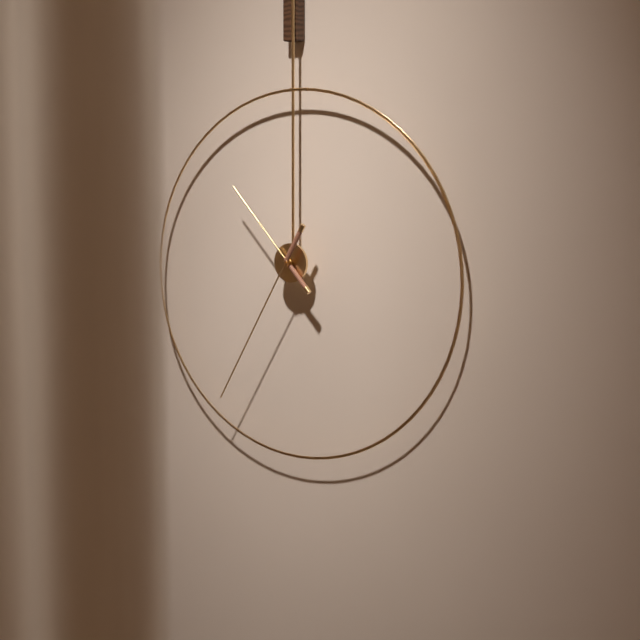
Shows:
10,35
